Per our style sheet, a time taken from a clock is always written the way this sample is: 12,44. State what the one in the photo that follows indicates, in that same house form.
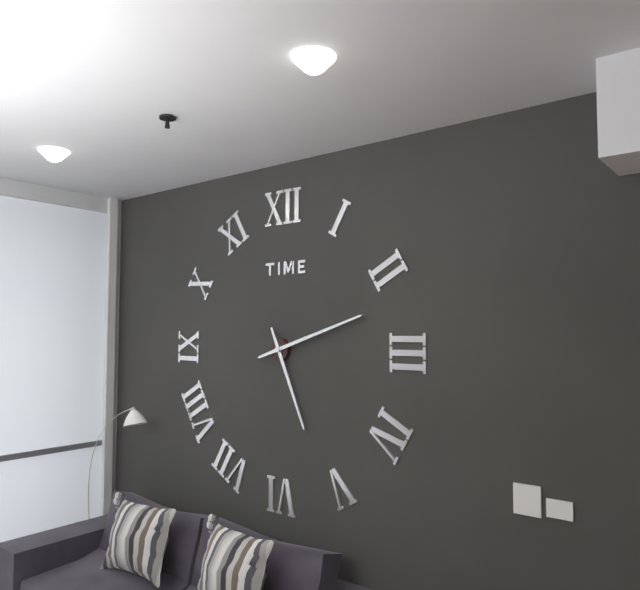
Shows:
5,12
